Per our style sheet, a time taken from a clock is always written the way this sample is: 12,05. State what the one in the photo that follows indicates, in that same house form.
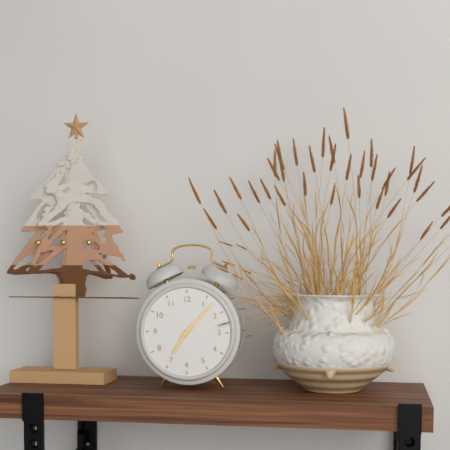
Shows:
7,07
